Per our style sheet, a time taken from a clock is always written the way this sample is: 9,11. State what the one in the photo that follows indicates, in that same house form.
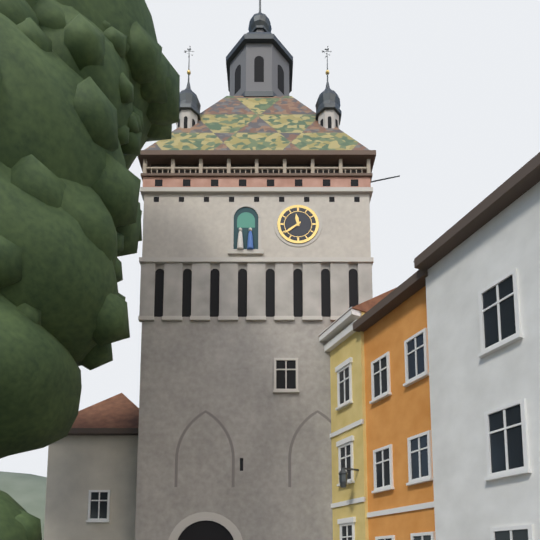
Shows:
11,39
